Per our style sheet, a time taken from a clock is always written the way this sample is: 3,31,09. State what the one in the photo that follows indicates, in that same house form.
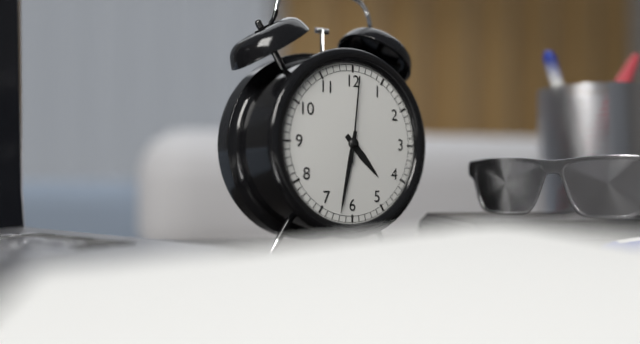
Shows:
4,32,01
